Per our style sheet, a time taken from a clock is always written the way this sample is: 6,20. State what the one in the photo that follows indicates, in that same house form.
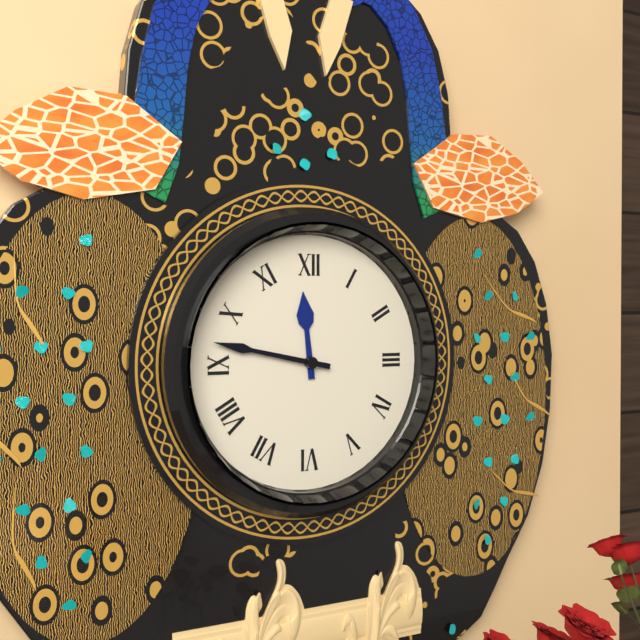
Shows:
11,47
